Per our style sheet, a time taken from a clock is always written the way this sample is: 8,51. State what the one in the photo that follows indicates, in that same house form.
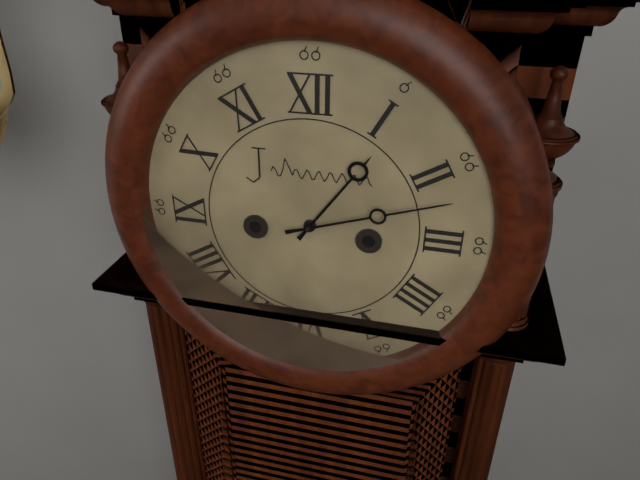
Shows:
1,12
